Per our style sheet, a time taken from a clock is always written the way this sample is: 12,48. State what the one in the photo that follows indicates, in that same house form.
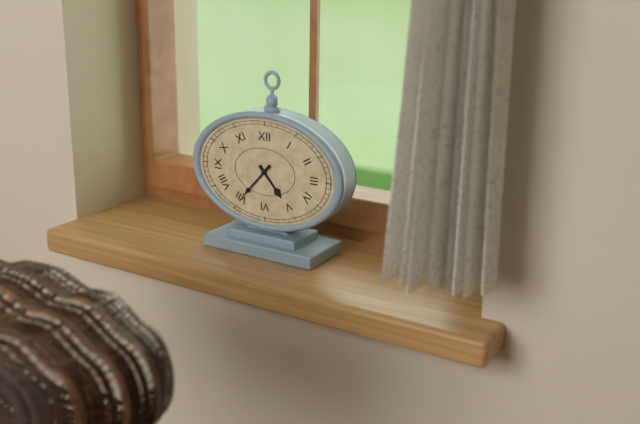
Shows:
4,37
